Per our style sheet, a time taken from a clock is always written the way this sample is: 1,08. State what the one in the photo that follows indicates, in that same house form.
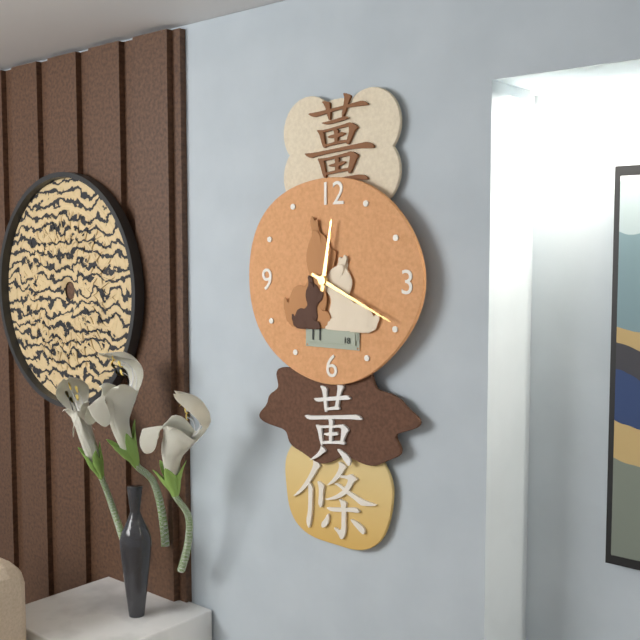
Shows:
12,19
